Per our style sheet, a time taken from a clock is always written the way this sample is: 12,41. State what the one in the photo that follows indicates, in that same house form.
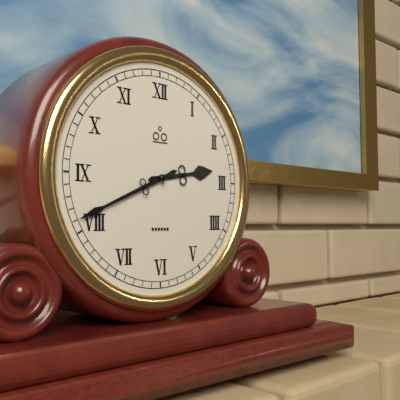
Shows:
2,41
